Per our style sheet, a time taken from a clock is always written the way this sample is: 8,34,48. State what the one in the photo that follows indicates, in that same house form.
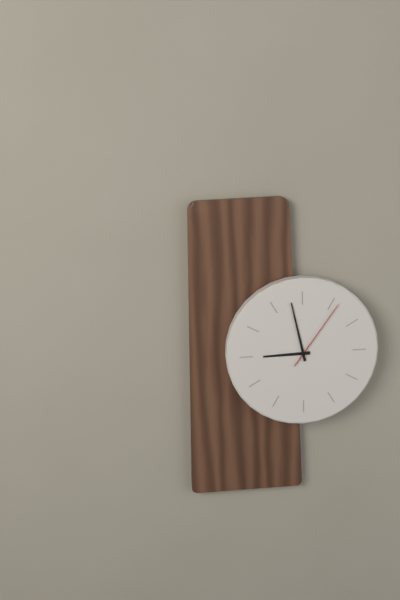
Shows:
8,58,06
